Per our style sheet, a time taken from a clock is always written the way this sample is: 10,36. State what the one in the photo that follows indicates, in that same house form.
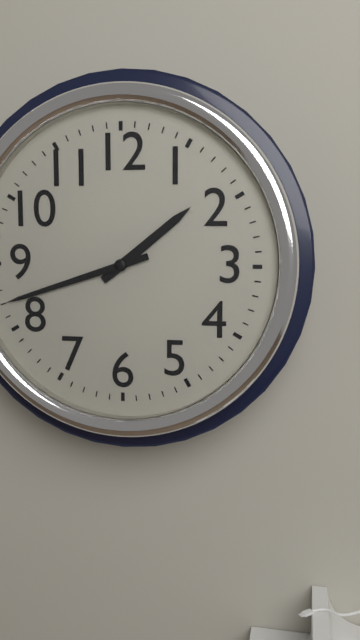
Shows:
1,42
